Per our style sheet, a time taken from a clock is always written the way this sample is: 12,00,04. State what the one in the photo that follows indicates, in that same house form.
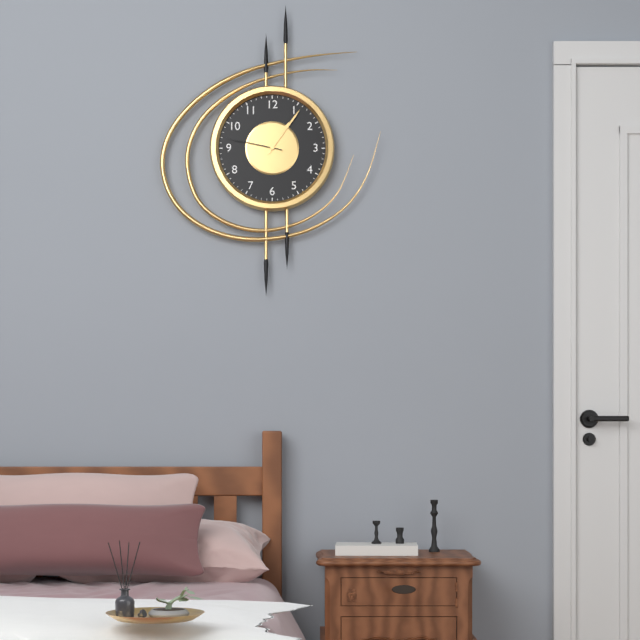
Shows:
1,06,47
